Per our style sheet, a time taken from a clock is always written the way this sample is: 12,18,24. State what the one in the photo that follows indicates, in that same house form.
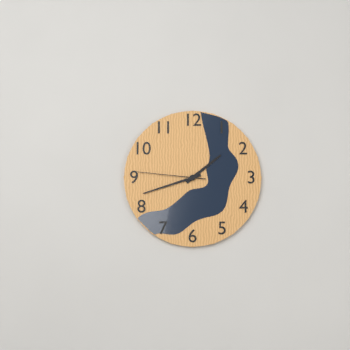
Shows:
1,42,46
